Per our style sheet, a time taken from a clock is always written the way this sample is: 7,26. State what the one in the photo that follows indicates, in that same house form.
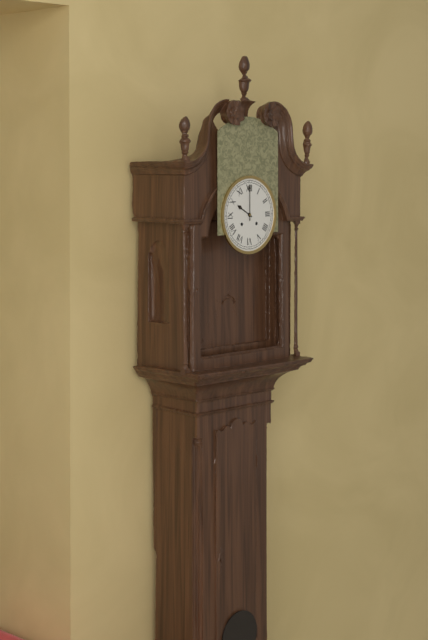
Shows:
10,00
